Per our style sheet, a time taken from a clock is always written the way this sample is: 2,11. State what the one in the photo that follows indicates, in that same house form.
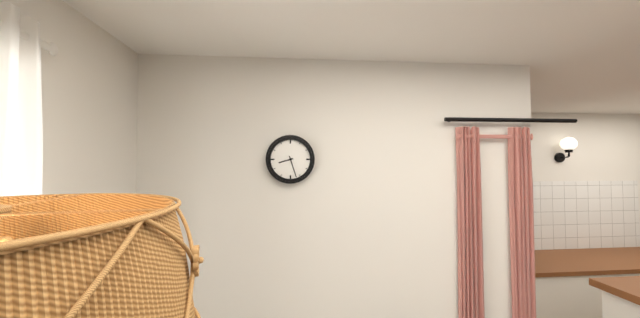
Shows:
8,27
